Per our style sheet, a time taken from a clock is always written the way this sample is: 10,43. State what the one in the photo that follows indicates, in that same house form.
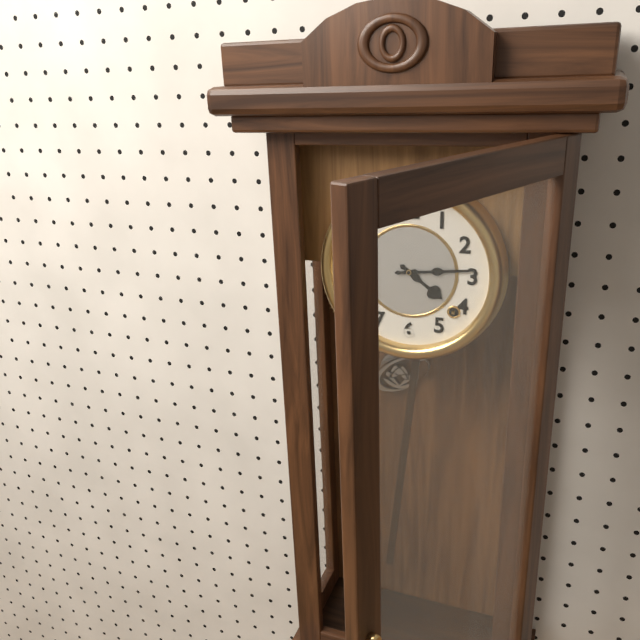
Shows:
4,14
